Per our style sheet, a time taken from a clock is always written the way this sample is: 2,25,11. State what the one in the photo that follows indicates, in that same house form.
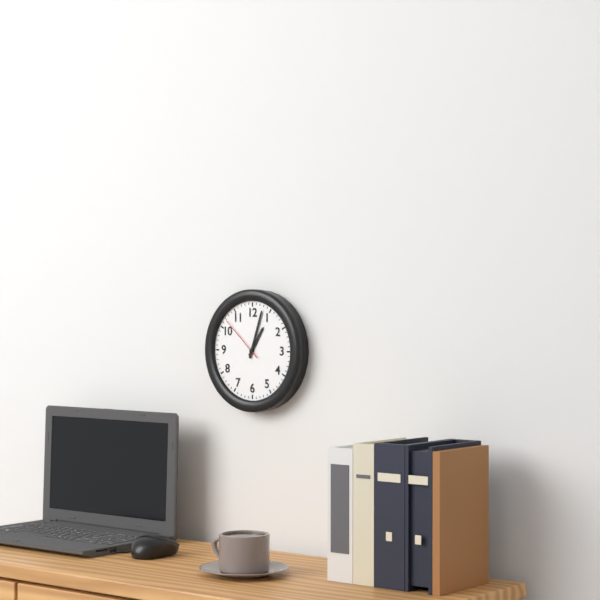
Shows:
1,03,52
